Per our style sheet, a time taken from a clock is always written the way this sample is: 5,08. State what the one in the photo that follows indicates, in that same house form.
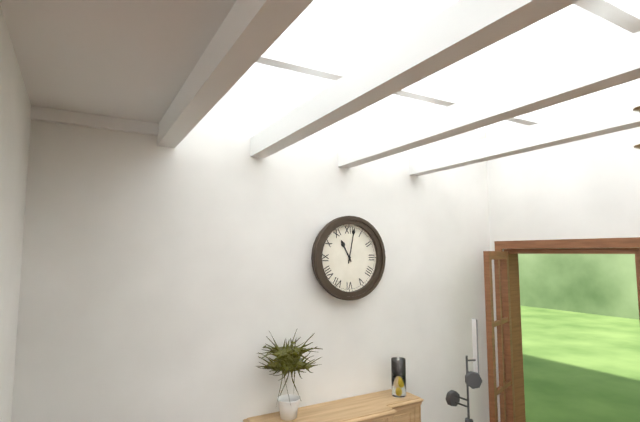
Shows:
11,02
